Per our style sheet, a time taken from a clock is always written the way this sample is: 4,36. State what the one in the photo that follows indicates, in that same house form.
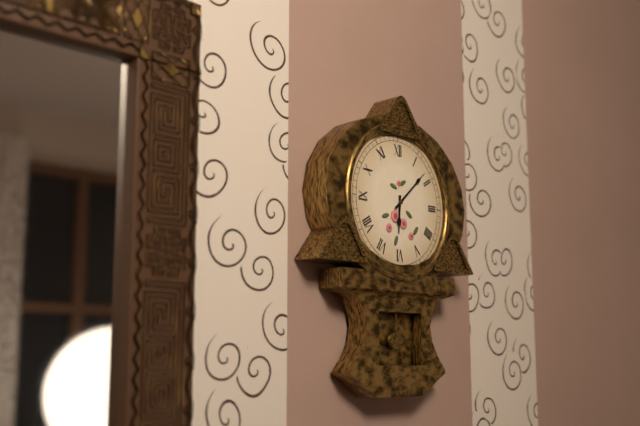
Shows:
6,08
